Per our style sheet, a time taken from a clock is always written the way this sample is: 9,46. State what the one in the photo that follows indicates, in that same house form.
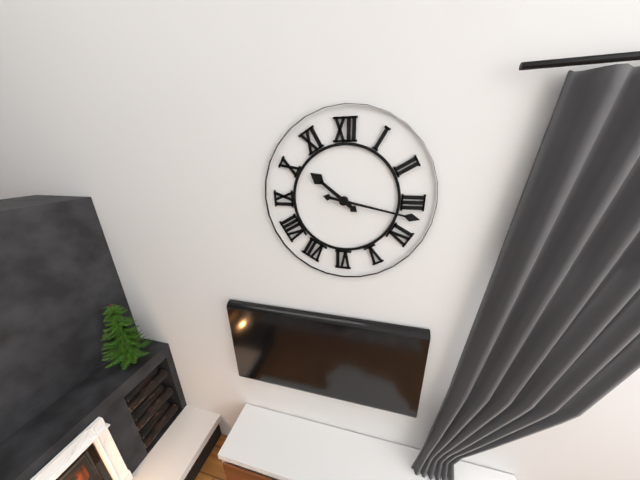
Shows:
10,17
